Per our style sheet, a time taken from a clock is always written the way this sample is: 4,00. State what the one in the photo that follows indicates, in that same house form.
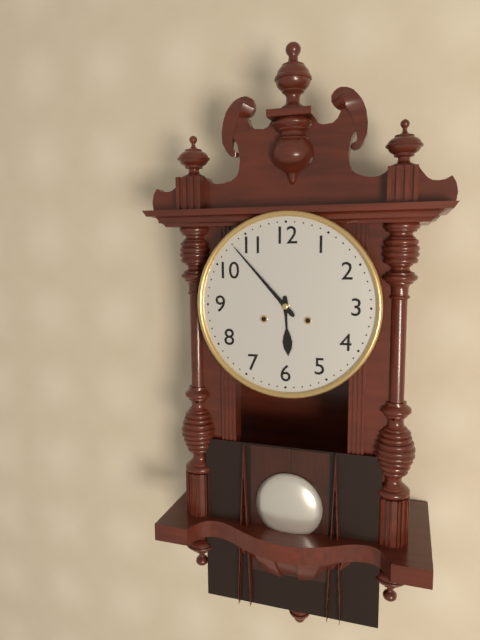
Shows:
5,53
